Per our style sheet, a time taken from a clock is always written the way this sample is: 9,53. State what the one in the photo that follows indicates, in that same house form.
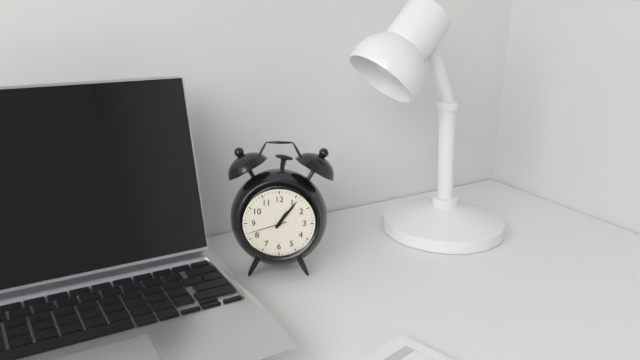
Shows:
1,06
